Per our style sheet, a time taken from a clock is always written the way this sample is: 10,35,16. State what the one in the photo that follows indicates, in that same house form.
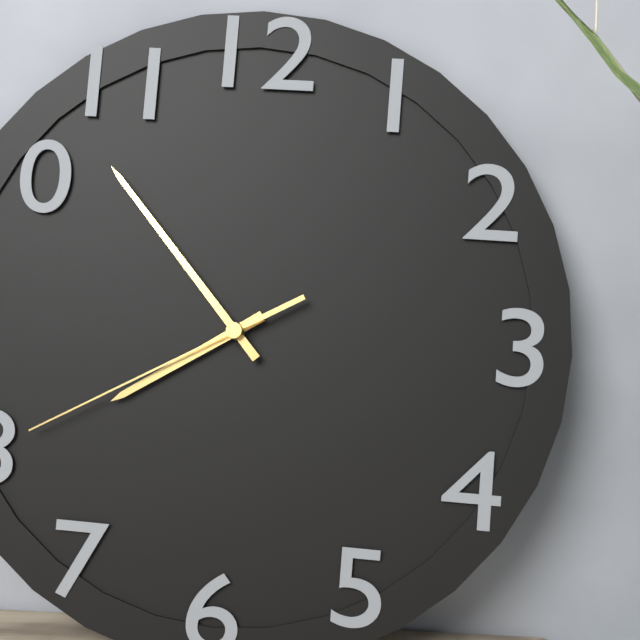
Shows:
7,53,40
